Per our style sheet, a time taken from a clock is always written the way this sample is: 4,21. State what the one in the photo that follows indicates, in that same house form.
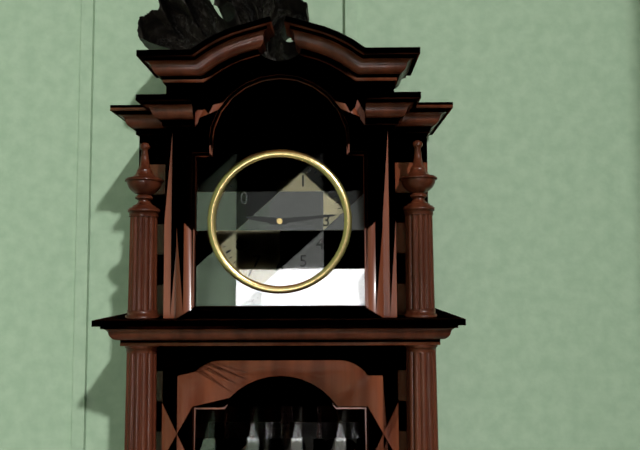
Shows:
9,14
